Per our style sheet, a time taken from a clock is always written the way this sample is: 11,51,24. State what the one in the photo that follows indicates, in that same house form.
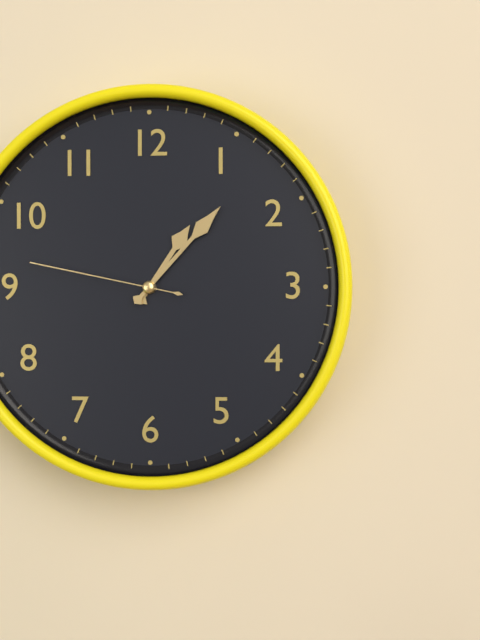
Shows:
1,07,47
